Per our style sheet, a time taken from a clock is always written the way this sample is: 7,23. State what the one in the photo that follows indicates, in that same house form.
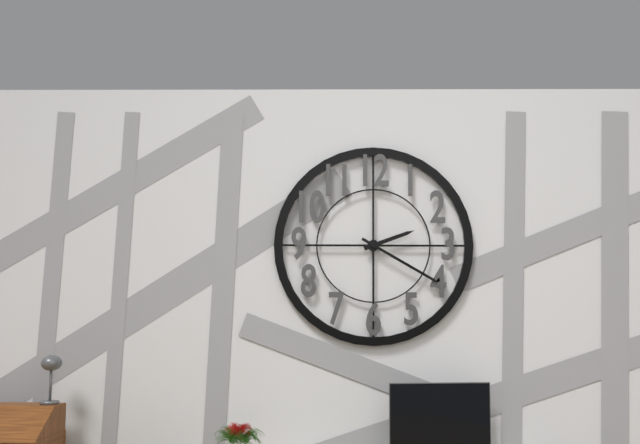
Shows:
2,20
